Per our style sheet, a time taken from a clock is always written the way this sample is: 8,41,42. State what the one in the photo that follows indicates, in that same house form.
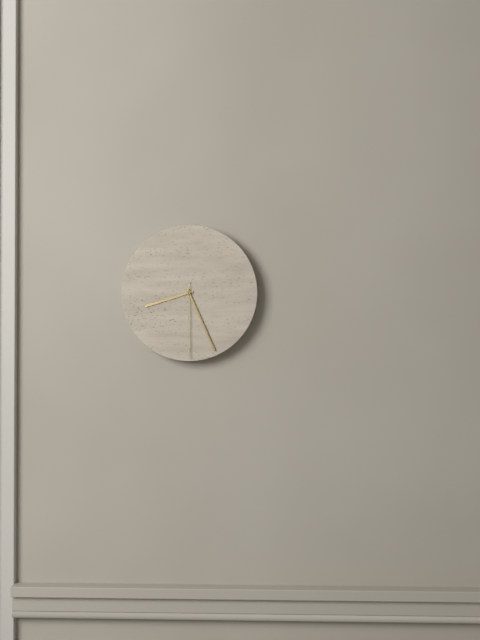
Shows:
8,26,30
